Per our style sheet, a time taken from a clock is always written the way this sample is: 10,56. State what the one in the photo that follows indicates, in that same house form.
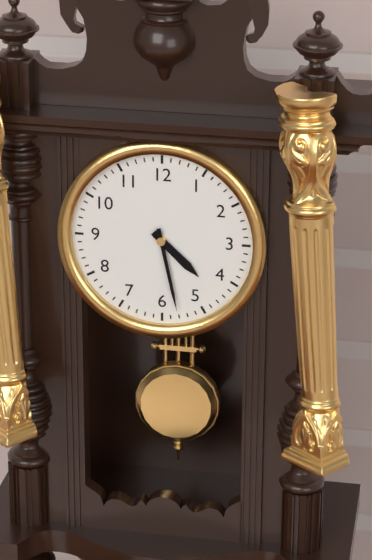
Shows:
4,28
